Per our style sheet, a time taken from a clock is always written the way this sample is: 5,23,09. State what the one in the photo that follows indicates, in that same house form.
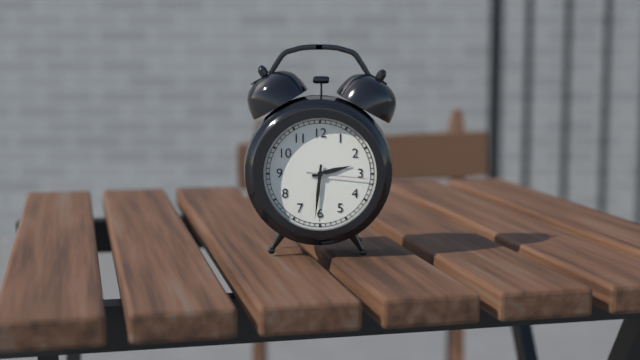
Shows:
2,31,16
